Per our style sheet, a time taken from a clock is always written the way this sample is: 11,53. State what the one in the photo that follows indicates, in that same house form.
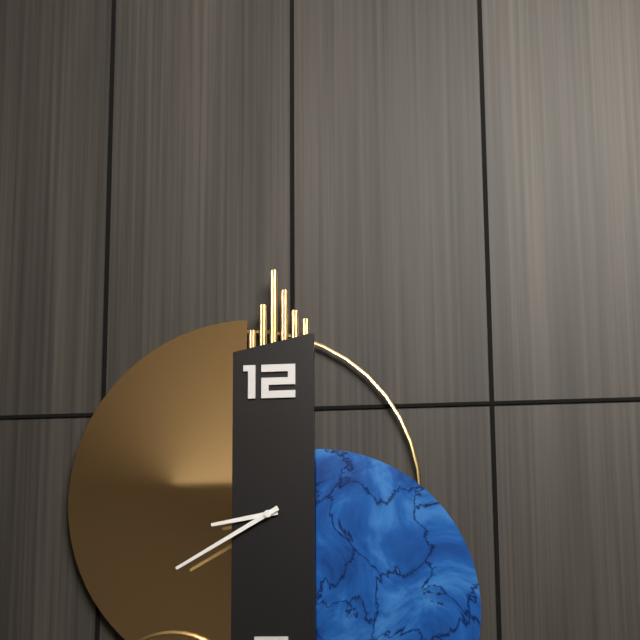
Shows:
8,40
